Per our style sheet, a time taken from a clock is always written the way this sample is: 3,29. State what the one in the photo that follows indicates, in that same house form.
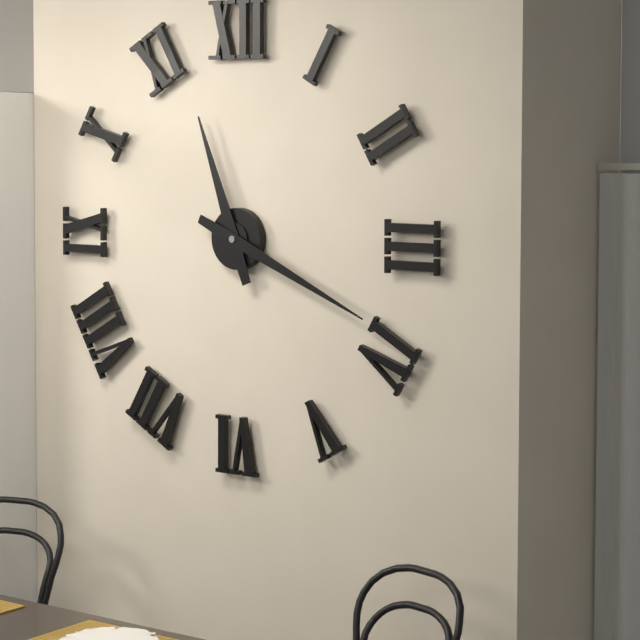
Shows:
11,19
